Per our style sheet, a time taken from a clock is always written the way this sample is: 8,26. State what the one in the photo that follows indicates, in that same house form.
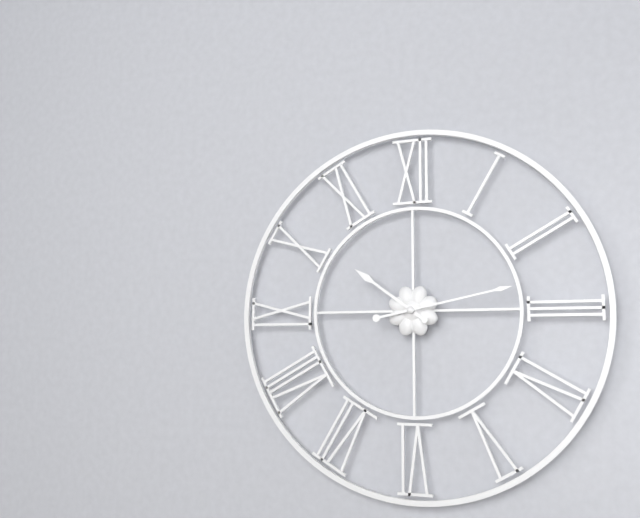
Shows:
10,13
